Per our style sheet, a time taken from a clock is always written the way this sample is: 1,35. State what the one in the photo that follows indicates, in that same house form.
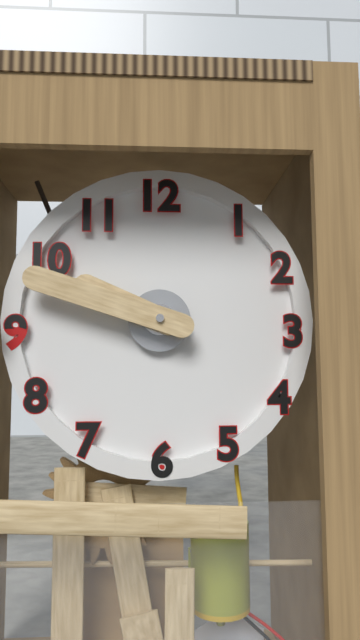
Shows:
9,48
